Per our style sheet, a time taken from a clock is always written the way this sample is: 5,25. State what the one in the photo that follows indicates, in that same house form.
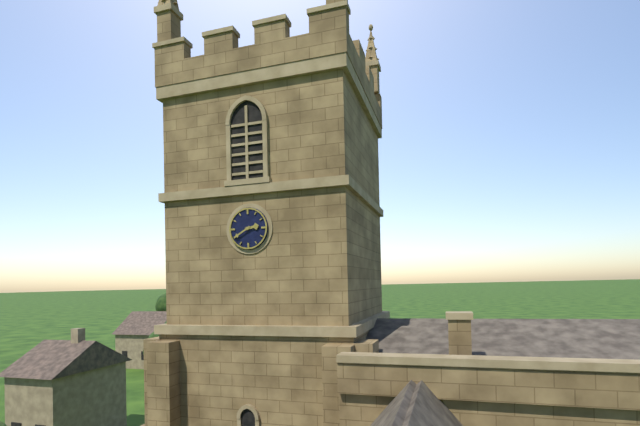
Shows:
2,40
